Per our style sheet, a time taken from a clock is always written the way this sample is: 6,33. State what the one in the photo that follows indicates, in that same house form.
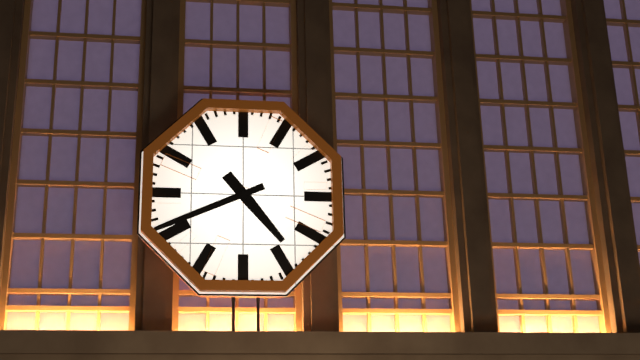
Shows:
4,41
